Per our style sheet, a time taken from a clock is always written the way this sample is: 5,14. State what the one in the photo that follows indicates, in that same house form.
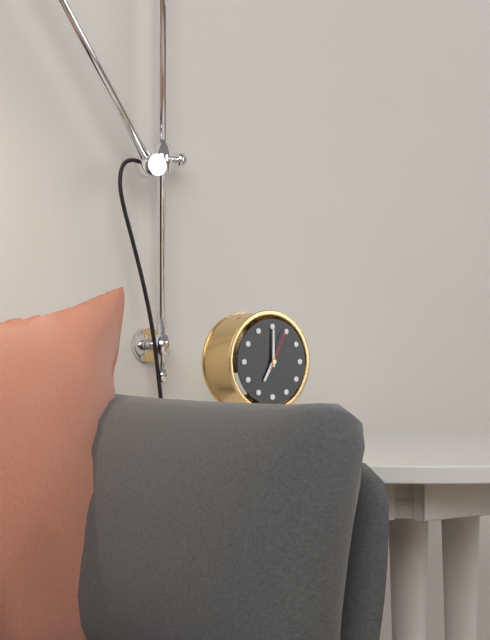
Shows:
7,00
